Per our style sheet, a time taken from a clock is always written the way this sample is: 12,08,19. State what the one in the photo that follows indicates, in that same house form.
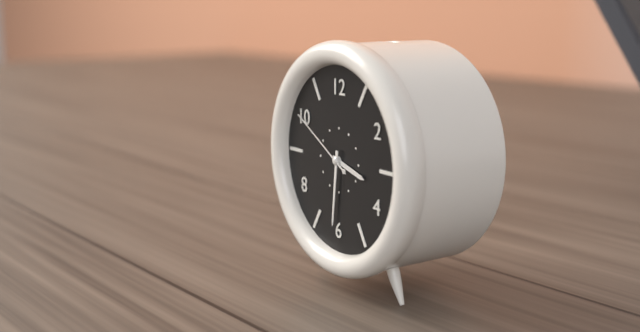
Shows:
3,31,50
